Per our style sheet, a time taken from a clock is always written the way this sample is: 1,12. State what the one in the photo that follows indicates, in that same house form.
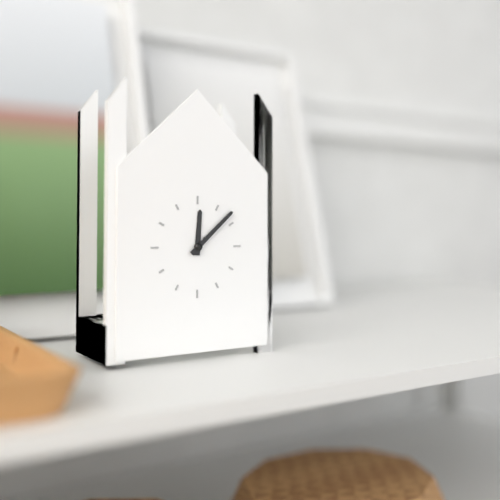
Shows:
12,08
